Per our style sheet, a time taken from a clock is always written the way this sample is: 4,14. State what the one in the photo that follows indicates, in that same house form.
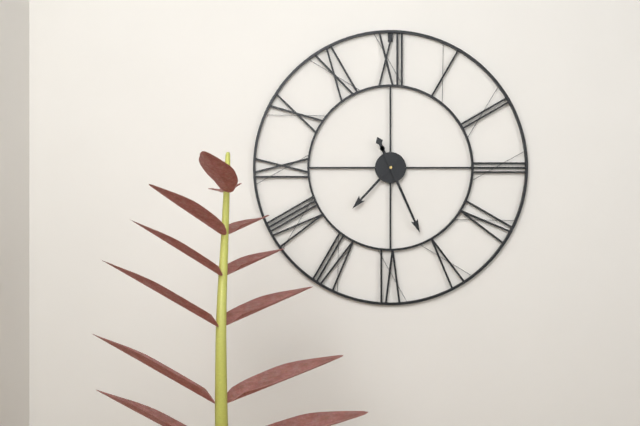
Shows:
7,26
